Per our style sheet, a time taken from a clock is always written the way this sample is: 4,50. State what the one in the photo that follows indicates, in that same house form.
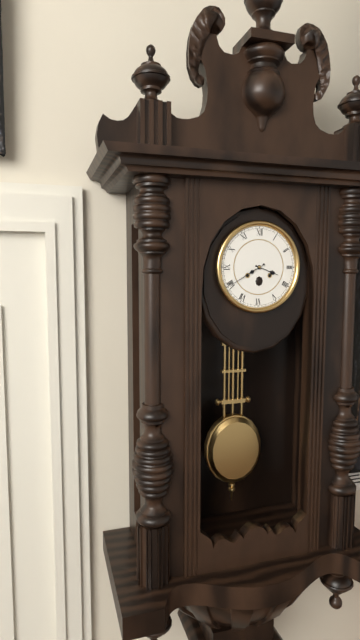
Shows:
3,40
